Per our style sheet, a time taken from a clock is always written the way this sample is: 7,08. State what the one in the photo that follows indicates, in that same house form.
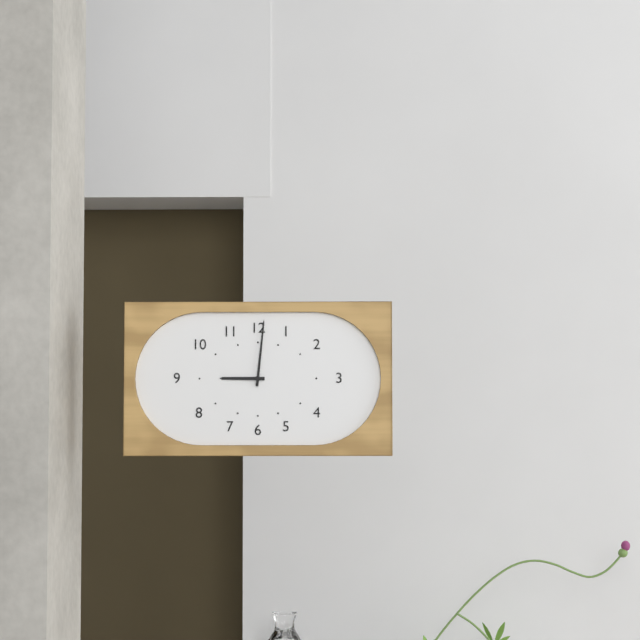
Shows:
9,01
